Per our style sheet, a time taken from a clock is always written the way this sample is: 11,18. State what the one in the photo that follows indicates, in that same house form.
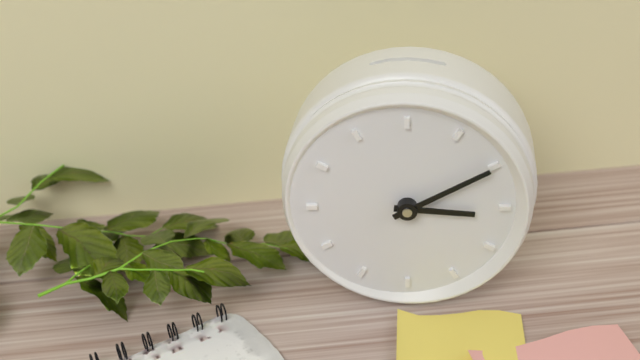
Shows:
3,10
